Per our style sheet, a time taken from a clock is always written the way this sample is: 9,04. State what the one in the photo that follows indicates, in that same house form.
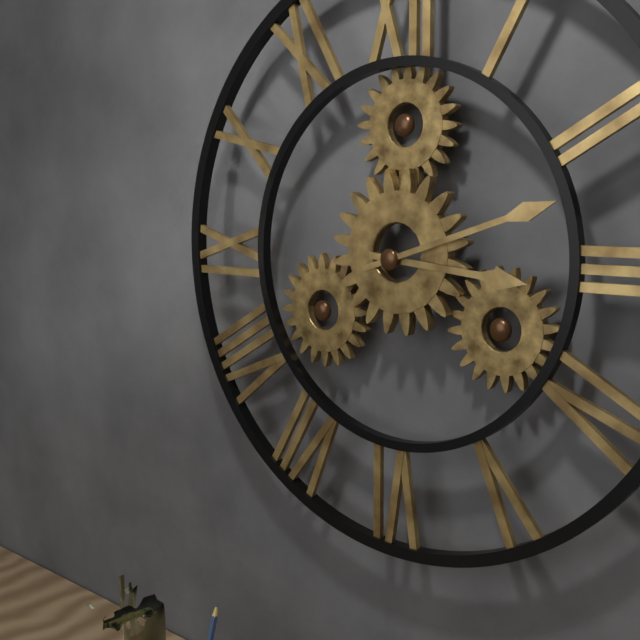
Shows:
3,12
